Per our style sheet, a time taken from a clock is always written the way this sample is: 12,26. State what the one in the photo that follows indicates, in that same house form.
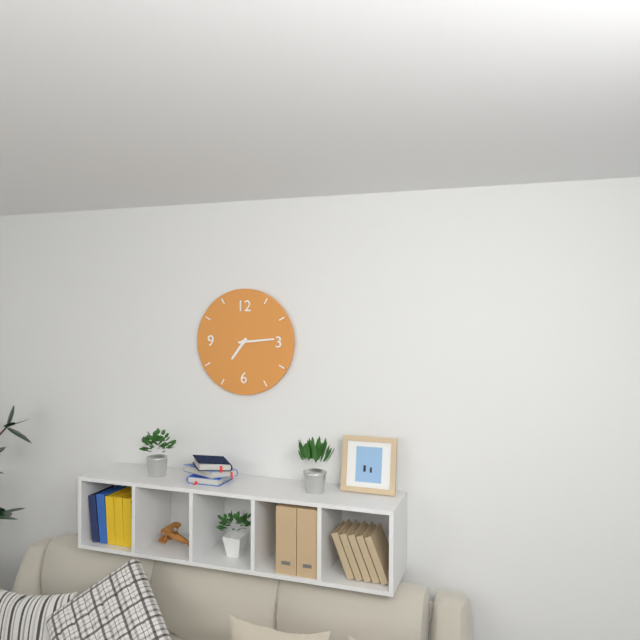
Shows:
7,14
